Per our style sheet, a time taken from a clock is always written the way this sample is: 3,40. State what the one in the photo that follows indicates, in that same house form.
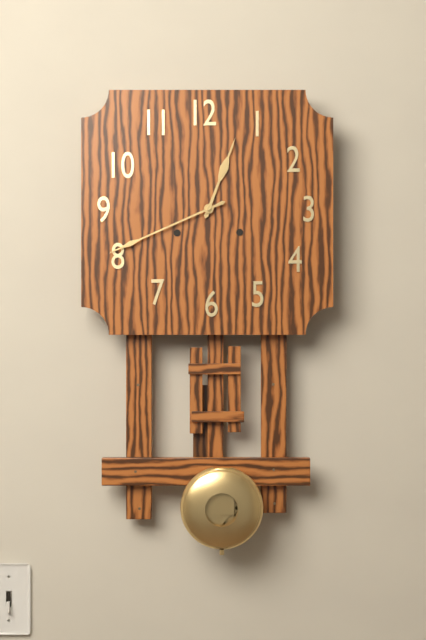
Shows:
12,41
